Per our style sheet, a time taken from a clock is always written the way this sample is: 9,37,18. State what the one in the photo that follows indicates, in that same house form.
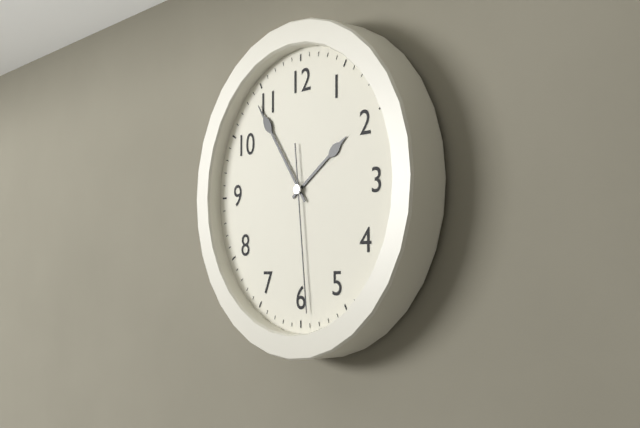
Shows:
1,54,29
